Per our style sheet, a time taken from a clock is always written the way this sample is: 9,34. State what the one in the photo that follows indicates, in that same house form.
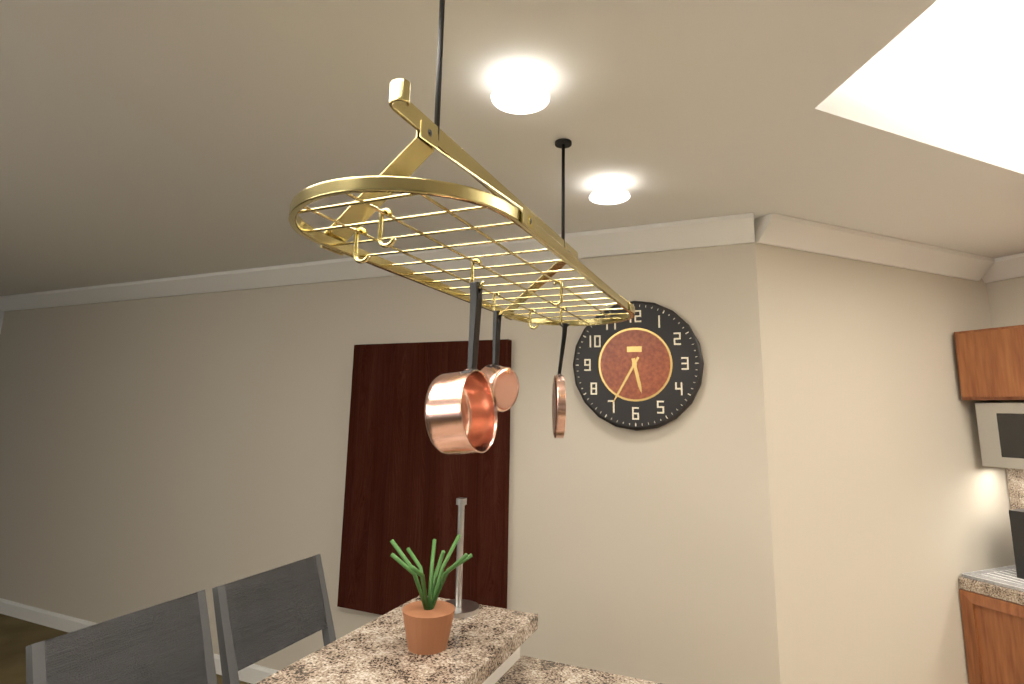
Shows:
5,35
